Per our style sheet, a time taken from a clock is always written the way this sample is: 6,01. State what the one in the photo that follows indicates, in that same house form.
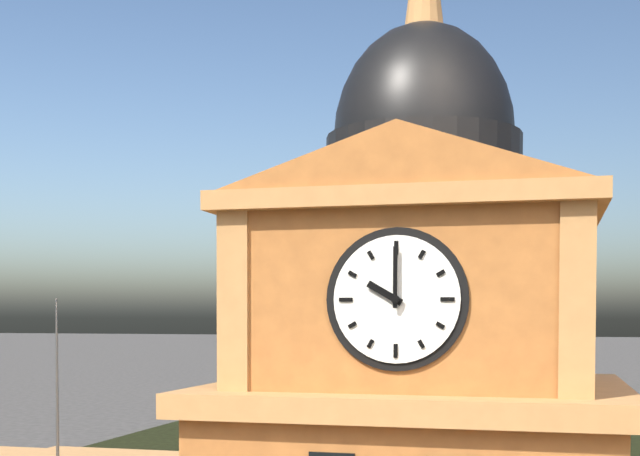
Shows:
10,00
